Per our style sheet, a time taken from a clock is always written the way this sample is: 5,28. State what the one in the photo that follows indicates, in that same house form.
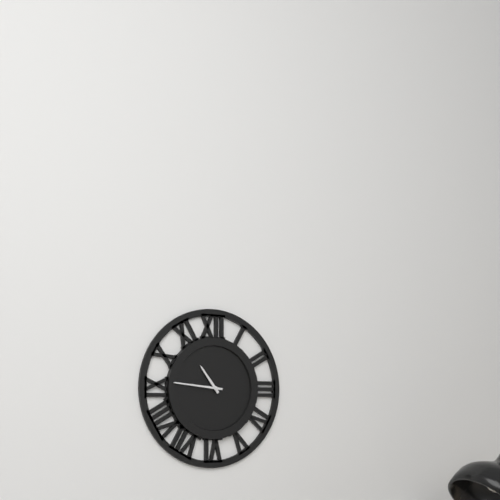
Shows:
10,46
